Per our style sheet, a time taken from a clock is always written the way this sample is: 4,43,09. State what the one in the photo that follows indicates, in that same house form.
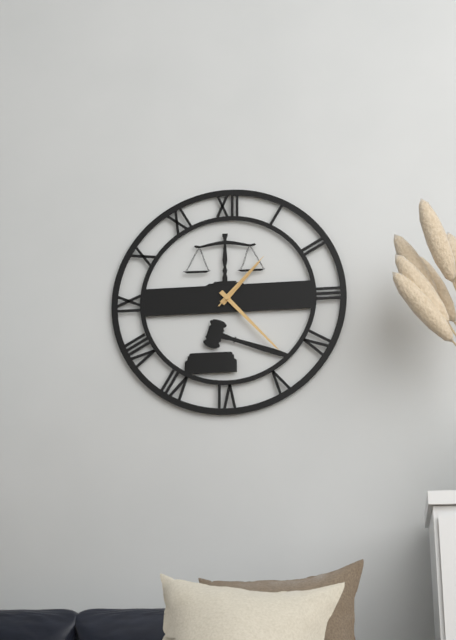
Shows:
1,23,07
